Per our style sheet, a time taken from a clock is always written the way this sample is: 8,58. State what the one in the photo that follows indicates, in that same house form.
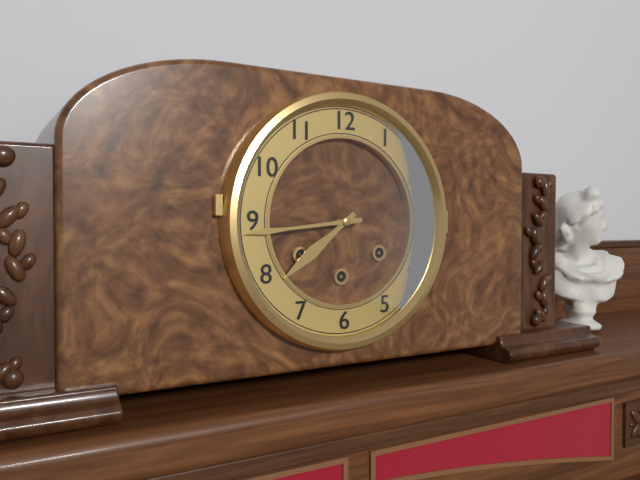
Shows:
7,44
